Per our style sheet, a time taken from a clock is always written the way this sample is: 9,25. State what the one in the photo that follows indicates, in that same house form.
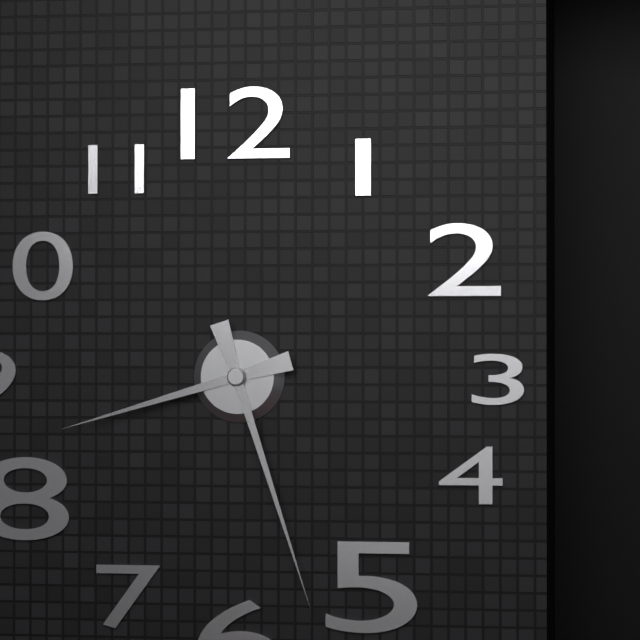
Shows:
8,27
